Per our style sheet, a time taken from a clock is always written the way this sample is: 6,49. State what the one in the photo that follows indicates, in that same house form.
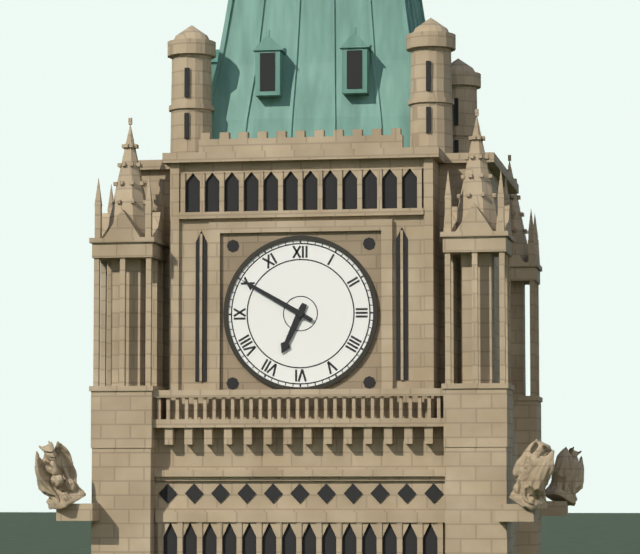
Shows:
6,50
